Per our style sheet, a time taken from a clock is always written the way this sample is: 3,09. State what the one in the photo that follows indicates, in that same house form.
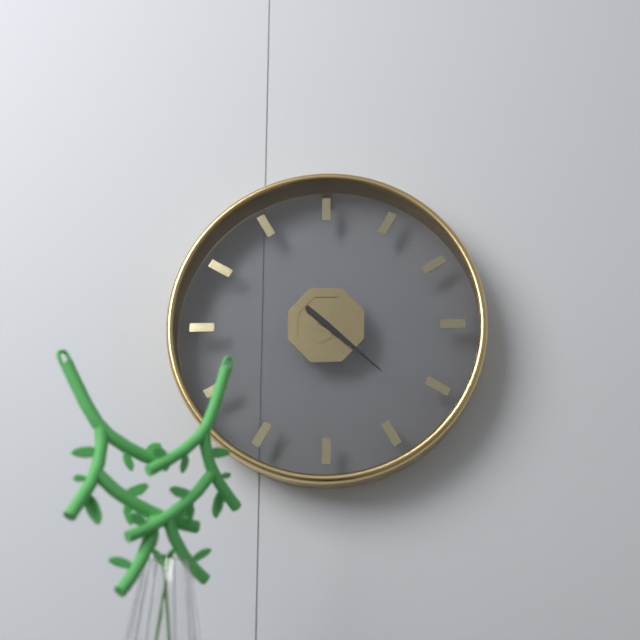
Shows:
4,22
